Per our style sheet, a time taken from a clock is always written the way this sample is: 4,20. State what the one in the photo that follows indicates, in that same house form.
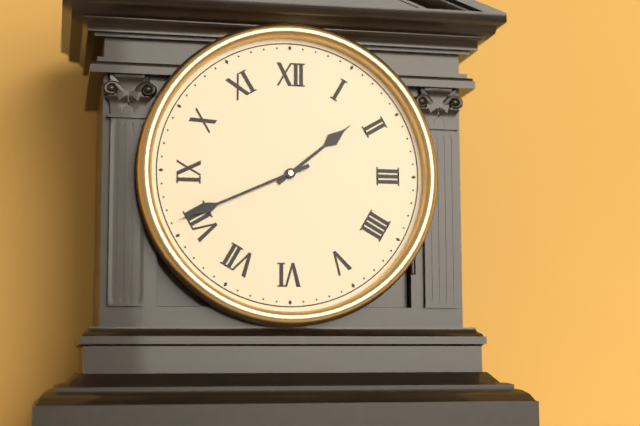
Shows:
1,41
